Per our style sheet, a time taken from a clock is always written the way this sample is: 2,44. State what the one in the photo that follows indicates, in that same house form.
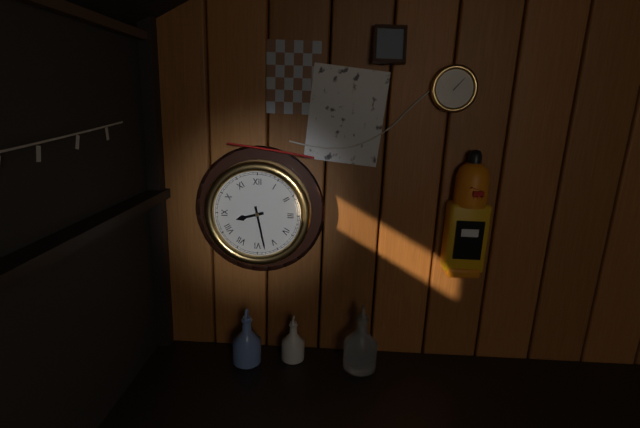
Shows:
8,28
